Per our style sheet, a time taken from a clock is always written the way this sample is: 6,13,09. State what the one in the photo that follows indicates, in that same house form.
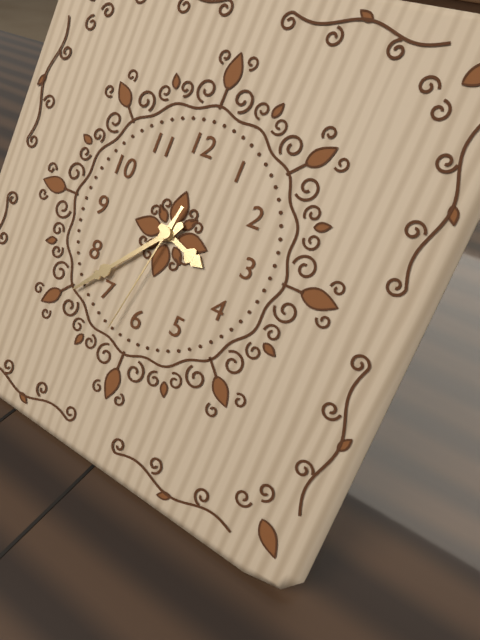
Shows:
3,37,32
